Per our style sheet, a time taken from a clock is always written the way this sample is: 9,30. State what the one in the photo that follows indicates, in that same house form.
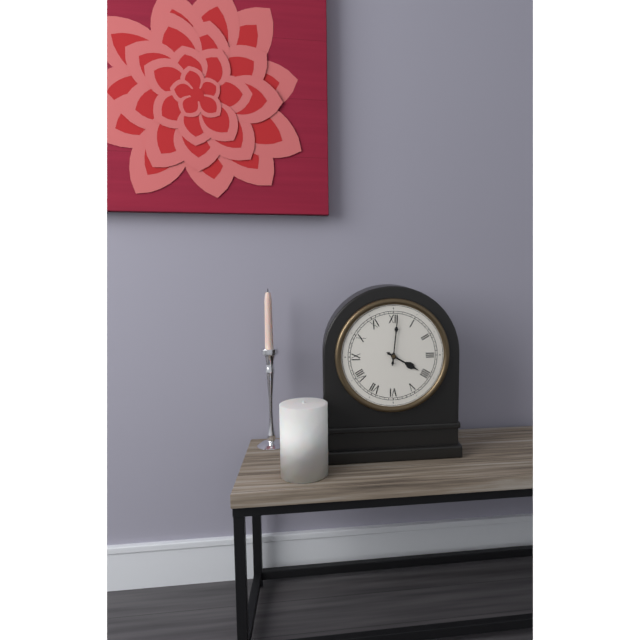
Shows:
4,01
